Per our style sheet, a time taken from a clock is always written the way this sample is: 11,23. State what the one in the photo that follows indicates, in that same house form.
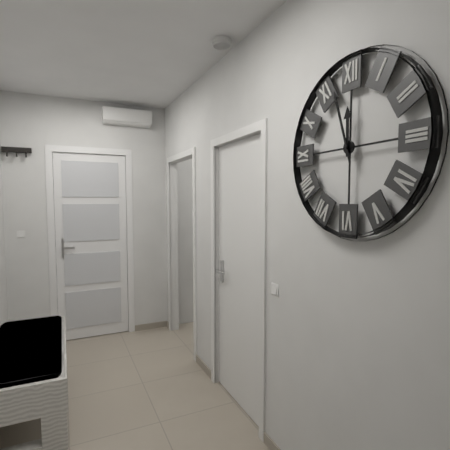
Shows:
11,57
